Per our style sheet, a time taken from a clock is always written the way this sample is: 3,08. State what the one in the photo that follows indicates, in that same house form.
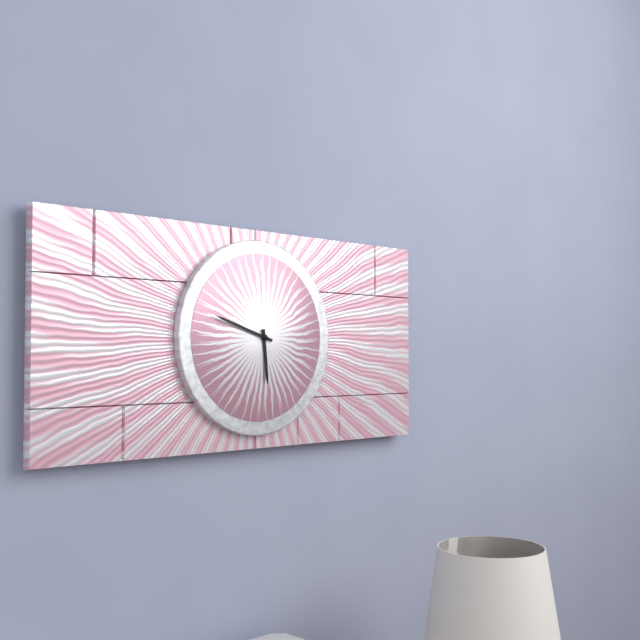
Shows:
5,48
